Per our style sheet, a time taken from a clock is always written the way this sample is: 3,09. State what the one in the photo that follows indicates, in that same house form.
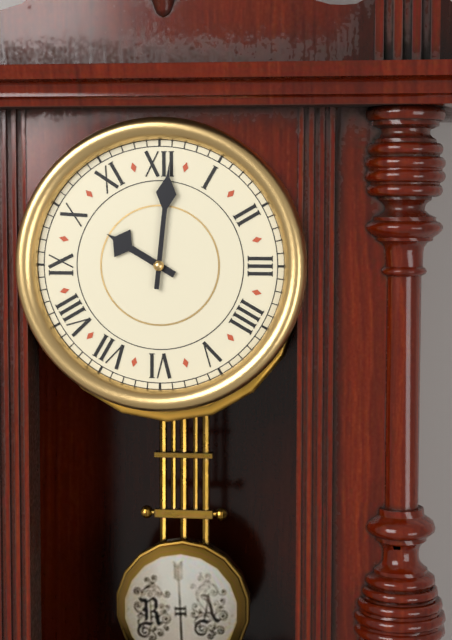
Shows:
10,01
